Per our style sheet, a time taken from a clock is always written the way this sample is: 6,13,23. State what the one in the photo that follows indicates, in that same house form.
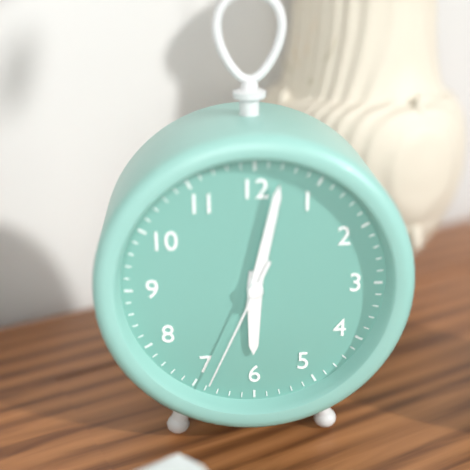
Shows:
6,02,34
